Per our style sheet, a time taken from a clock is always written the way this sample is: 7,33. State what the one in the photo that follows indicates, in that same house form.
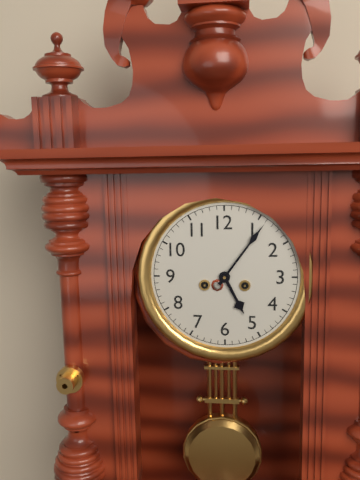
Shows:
5,06
